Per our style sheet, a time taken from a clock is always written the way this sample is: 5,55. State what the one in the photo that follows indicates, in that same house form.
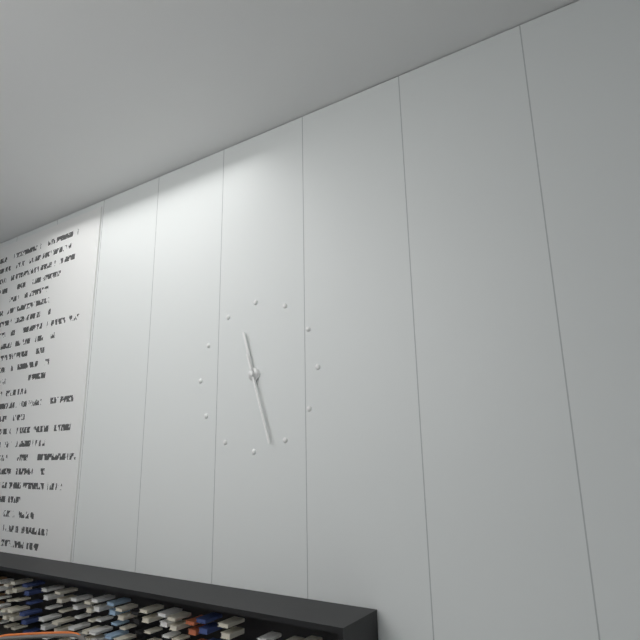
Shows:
11,27
